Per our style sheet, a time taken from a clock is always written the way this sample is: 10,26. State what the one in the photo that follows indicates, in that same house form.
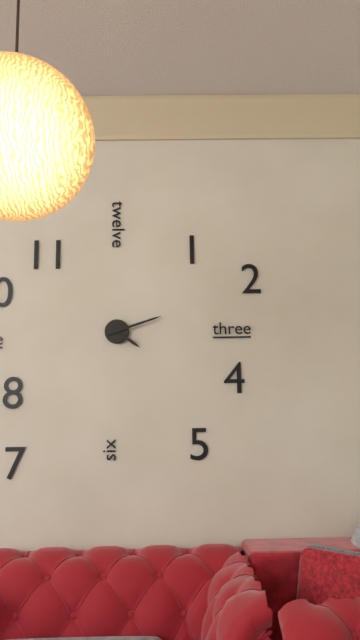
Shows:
4,12
